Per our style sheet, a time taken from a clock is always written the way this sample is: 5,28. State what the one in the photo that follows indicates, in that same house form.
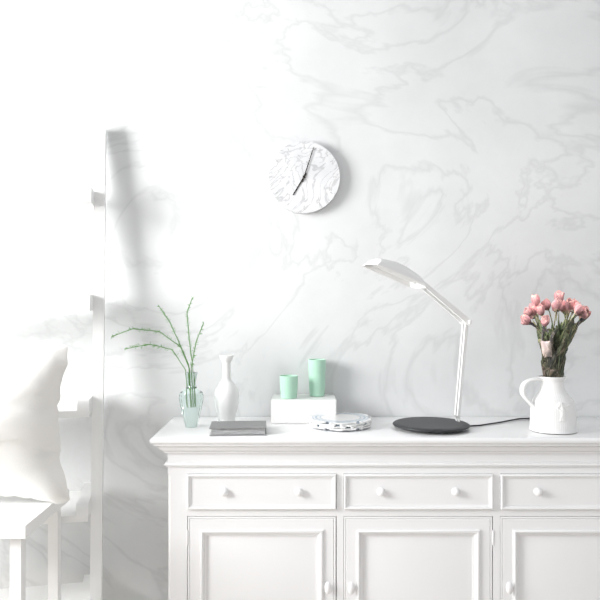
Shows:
7,03
